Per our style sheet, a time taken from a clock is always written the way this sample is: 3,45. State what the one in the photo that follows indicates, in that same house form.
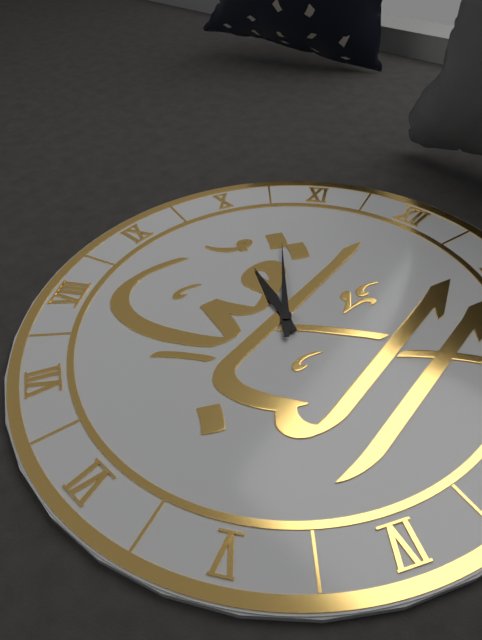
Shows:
9,53
